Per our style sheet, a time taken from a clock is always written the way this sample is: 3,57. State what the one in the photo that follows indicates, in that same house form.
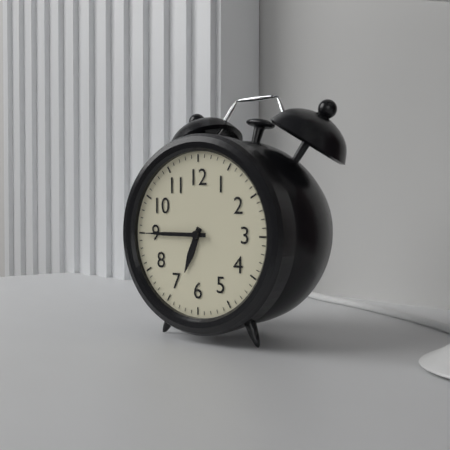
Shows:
6,45
